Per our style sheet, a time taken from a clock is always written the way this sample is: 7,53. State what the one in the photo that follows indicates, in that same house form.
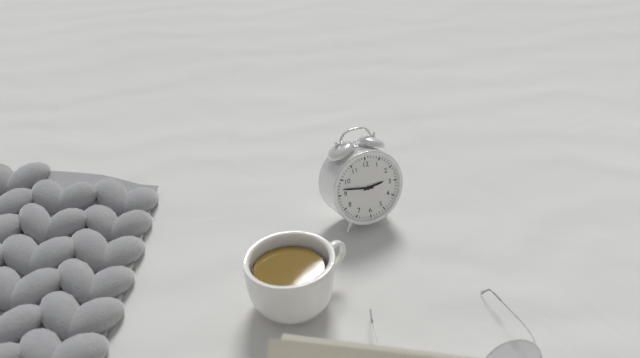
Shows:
2,47
